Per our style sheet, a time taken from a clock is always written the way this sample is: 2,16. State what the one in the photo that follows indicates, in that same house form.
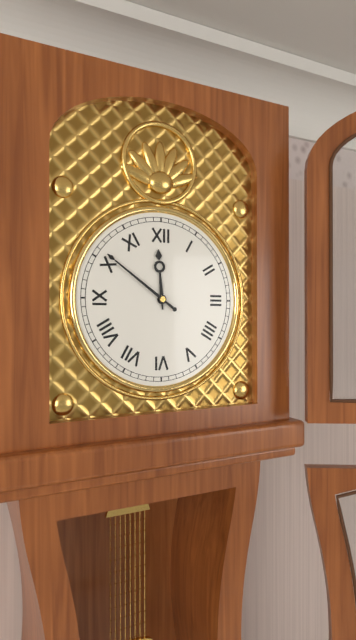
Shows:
11,51
